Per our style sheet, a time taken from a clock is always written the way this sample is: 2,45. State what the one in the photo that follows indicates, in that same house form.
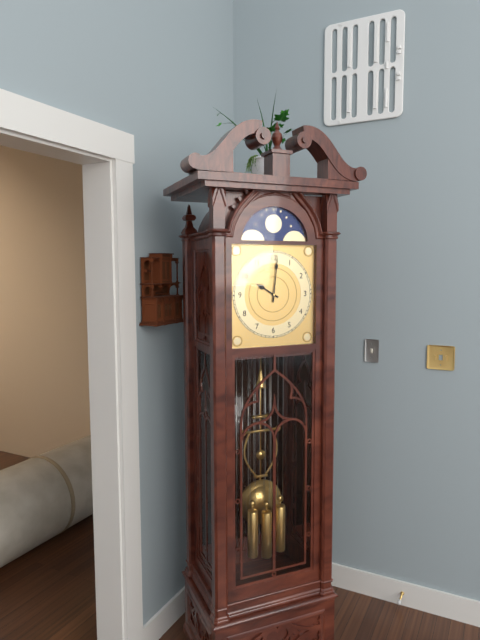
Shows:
10,01
